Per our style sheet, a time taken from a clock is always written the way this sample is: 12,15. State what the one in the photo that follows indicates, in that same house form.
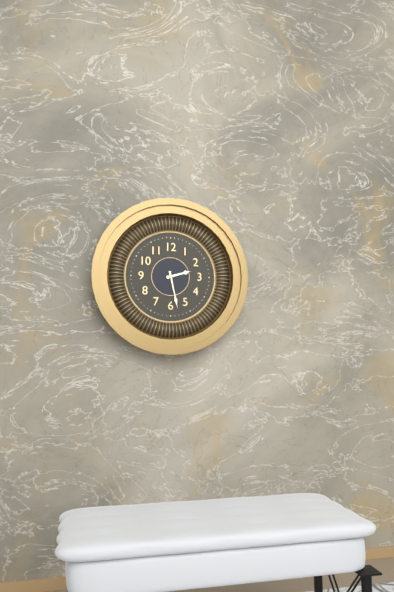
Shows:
2,28
